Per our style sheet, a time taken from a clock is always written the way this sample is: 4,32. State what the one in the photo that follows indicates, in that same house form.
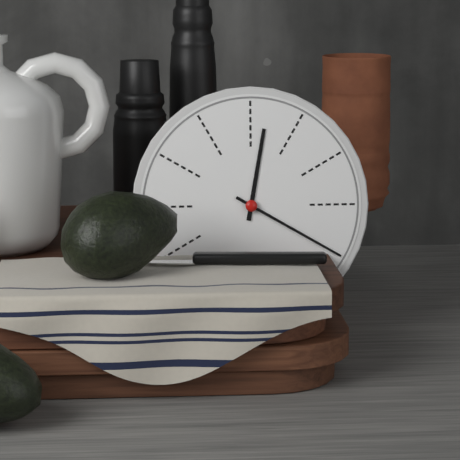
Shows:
12,20
